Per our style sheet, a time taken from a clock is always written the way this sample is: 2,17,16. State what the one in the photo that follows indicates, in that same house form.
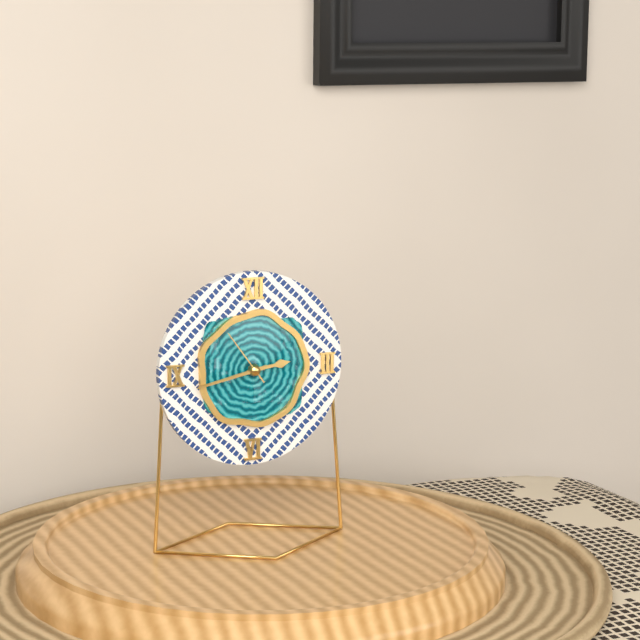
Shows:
2,43,54
